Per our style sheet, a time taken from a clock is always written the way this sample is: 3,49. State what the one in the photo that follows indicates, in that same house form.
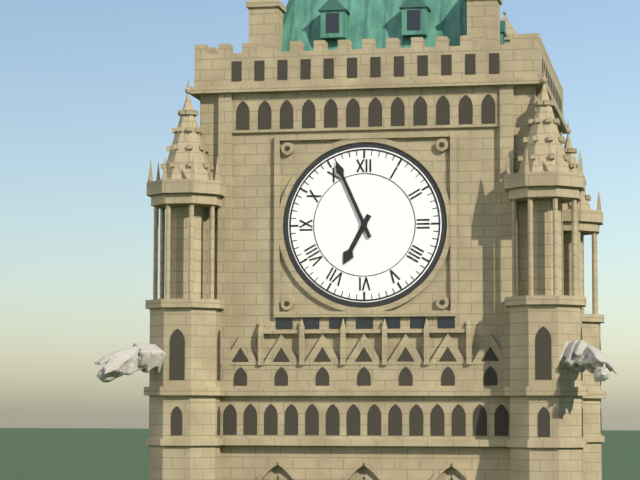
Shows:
6,56
